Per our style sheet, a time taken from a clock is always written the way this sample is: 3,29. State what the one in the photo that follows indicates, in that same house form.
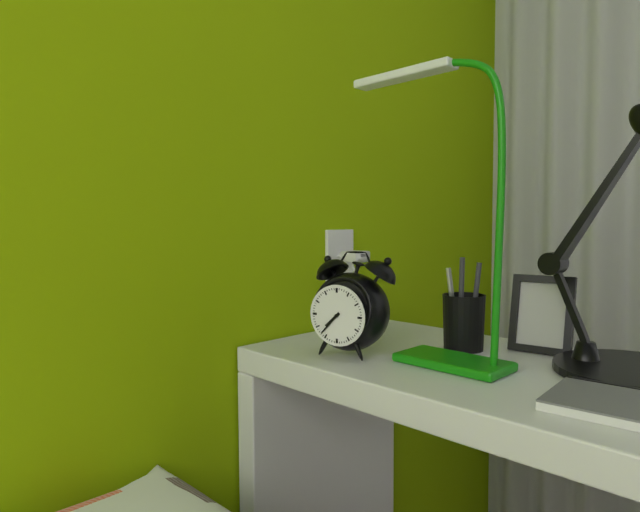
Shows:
7,37
